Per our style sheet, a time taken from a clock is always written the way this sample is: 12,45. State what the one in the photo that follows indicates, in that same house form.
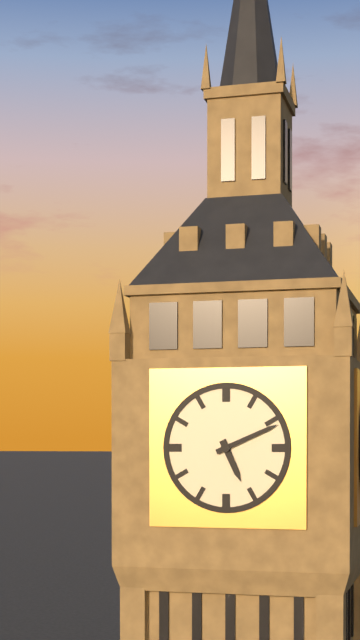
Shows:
5,11
